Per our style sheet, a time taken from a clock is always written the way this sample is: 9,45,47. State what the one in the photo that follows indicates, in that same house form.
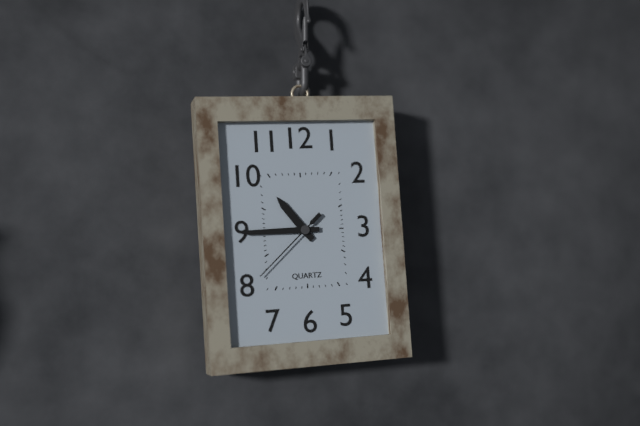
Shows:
10,45,38
